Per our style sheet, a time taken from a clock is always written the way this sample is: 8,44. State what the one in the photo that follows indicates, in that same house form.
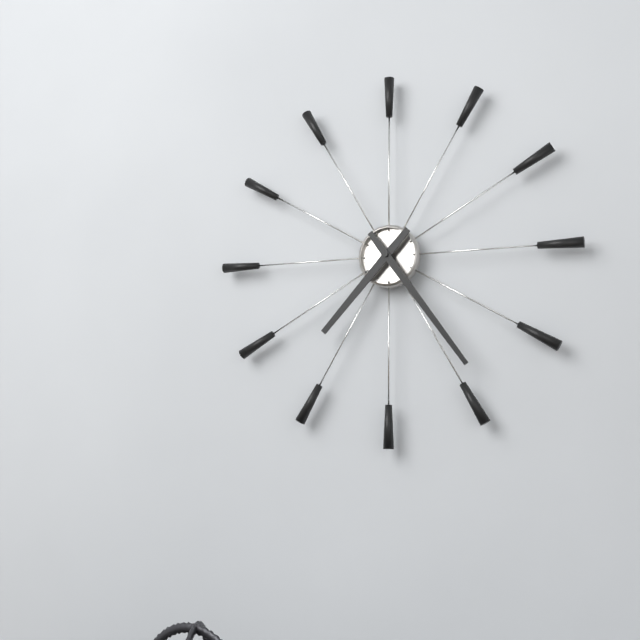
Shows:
7,24
